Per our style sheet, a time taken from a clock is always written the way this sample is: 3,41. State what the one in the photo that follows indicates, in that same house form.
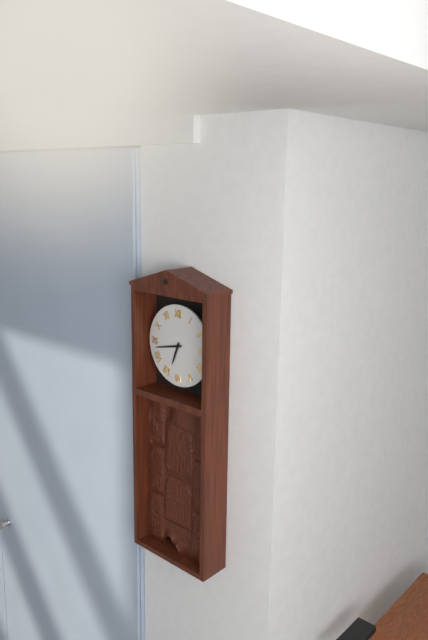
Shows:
6,43
